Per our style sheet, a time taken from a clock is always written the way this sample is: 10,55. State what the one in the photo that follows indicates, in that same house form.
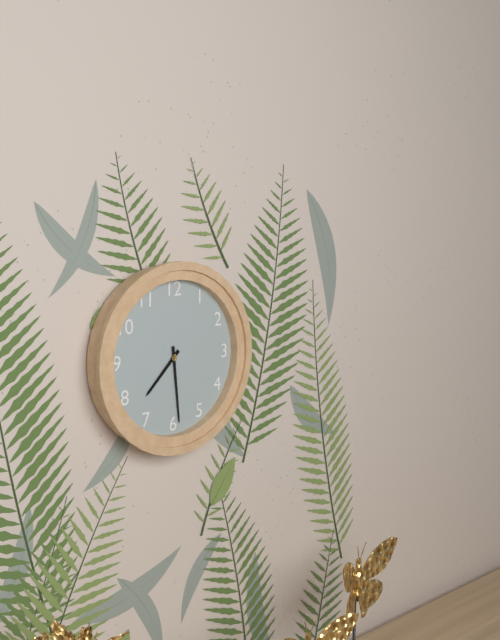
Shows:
7,29
